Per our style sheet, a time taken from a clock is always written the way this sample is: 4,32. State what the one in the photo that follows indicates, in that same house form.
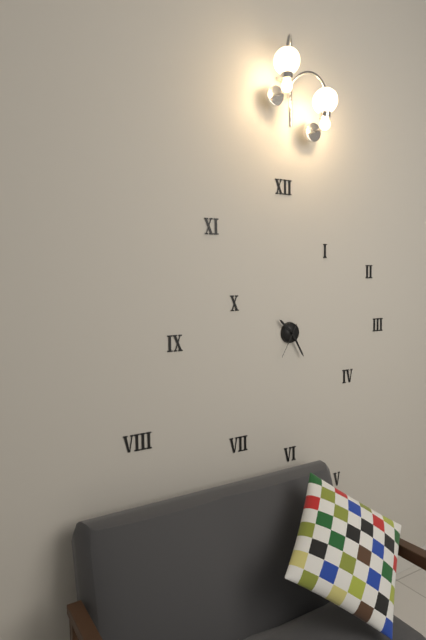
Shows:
10,25
